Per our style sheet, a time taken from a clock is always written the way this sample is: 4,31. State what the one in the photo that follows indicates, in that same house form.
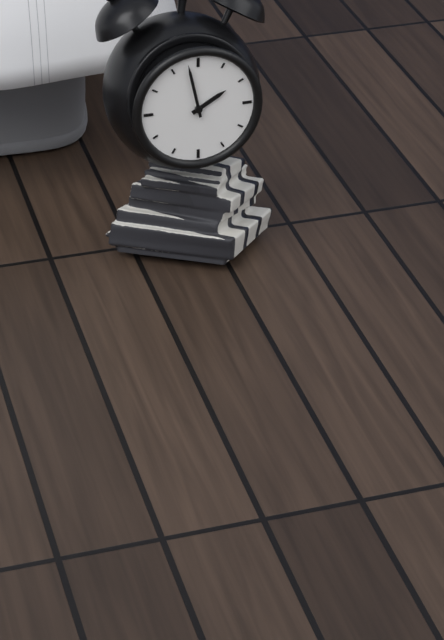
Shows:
1,58
